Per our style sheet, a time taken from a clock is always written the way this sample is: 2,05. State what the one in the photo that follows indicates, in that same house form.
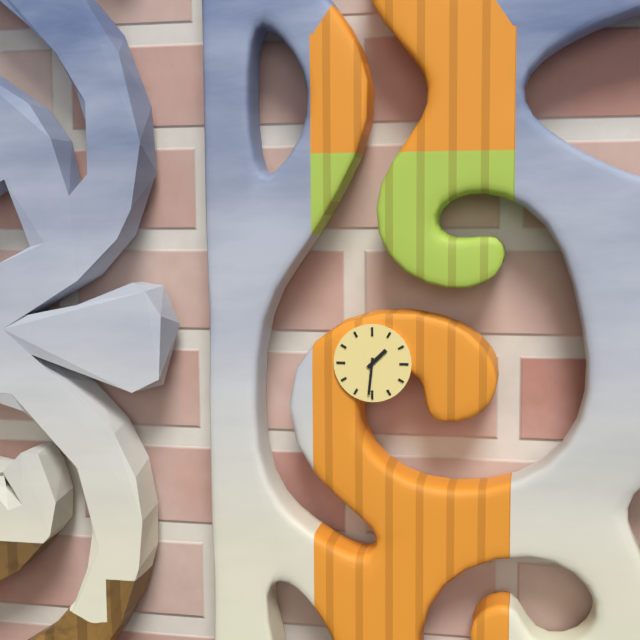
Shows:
1,31
